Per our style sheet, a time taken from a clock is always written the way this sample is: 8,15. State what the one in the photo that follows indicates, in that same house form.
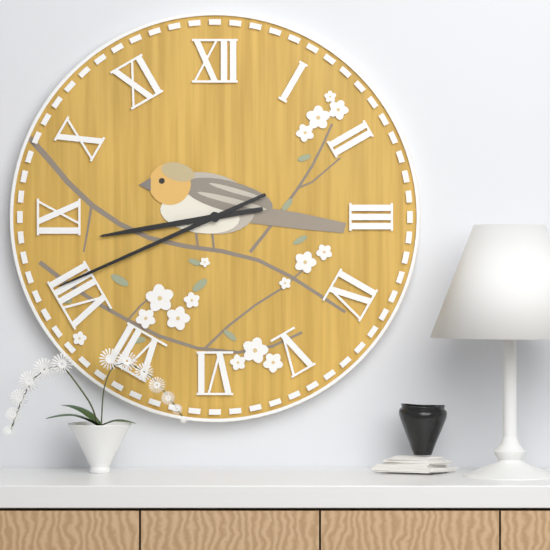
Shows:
8,41
